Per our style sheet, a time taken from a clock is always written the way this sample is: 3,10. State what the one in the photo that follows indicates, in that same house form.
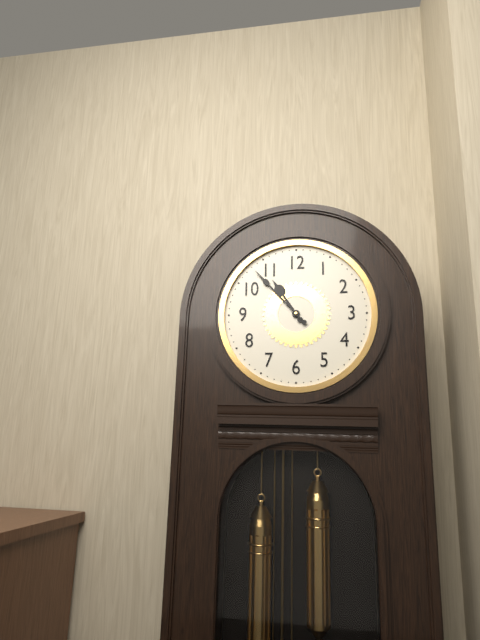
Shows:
10,53
